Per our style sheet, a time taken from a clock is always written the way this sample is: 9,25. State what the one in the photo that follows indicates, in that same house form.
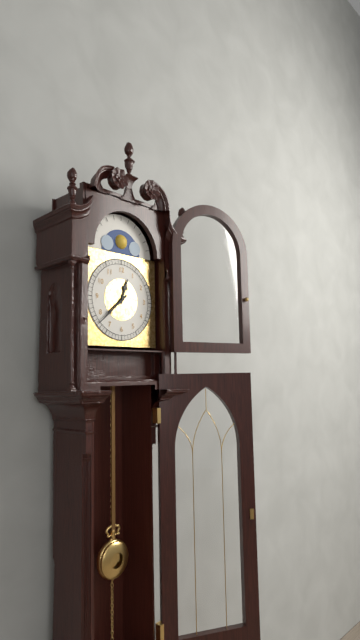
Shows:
12,38
